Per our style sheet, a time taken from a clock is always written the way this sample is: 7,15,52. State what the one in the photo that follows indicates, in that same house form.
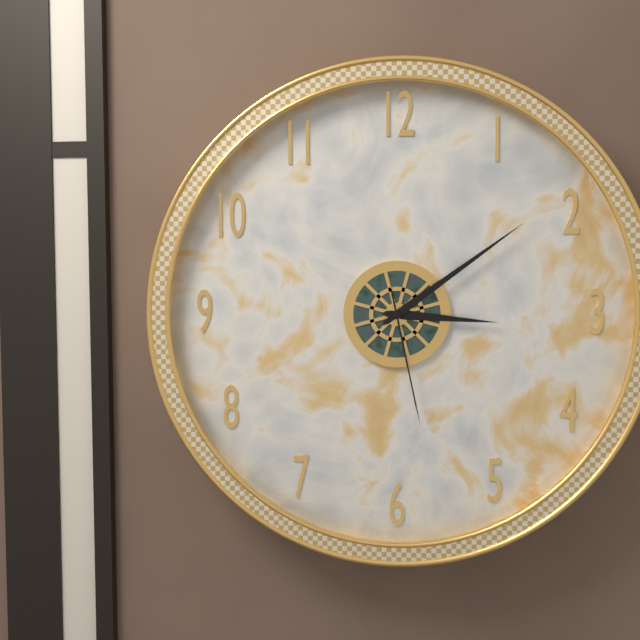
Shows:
3,09,28
